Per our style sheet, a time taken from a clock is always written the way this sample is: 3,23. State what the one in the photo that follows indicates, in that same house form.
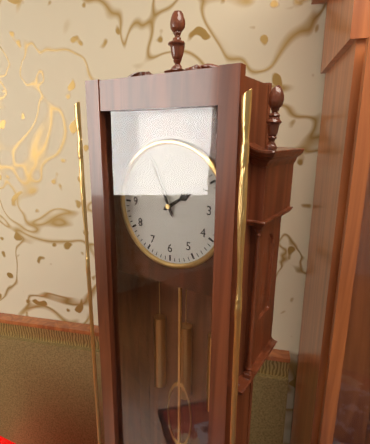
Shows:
1,56
